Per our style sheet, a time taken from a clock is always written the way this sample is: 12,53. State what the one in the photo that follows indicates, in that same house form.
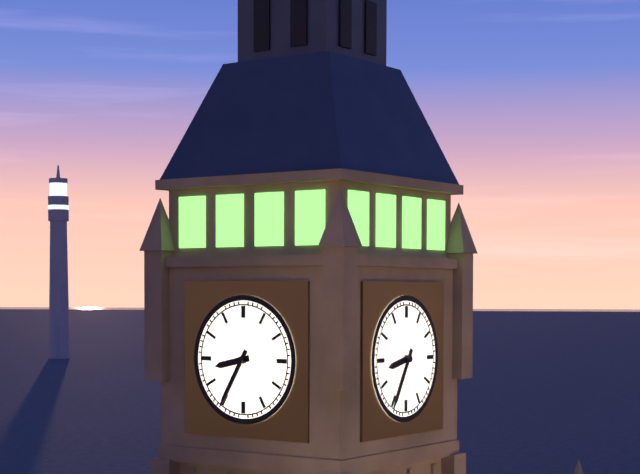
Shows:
8,35
